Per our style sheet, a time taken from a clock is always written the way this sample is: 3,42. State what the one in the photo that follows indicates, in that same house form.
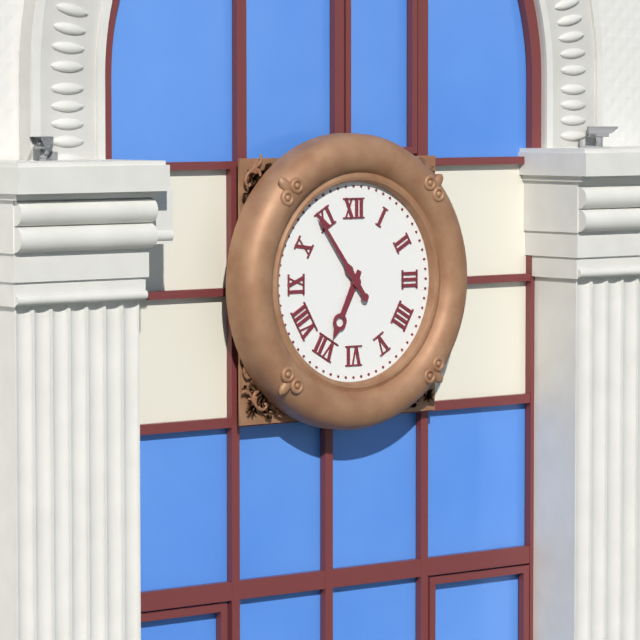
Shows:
6,54
